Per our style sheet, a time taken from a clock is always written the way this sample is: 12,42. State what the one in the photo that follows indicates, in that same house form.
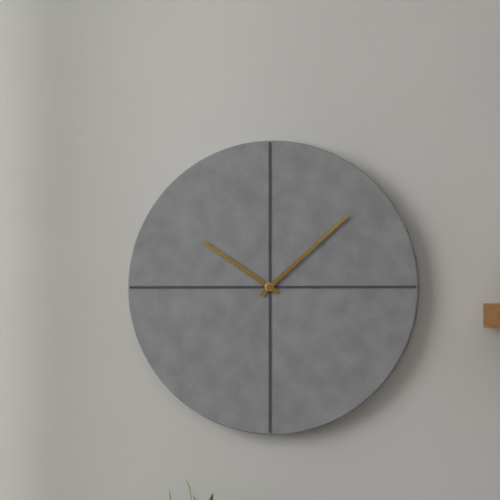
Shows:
10,08
